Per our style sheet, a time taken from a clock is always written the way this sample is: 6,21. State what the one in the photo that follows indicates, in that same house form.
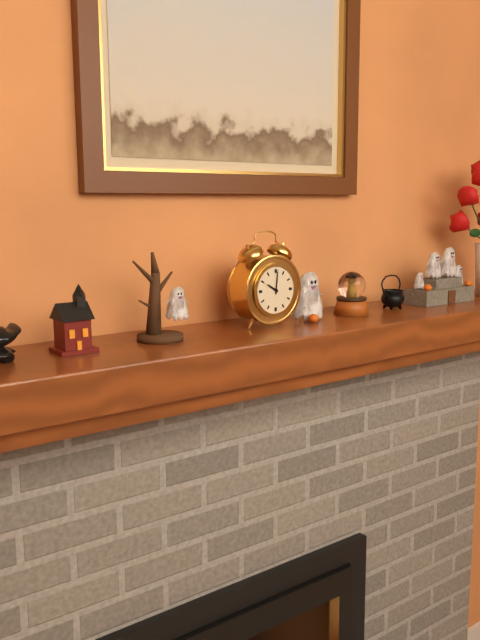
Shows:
10,01
